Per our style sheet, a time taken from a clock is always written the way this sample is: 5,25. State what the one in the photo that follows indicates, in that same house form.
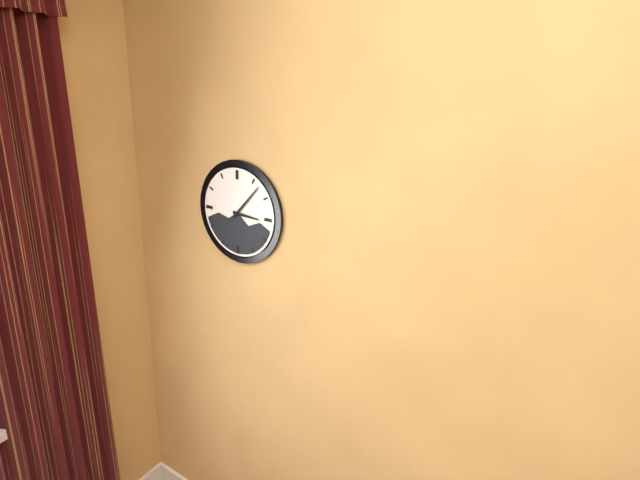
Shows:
3,07
